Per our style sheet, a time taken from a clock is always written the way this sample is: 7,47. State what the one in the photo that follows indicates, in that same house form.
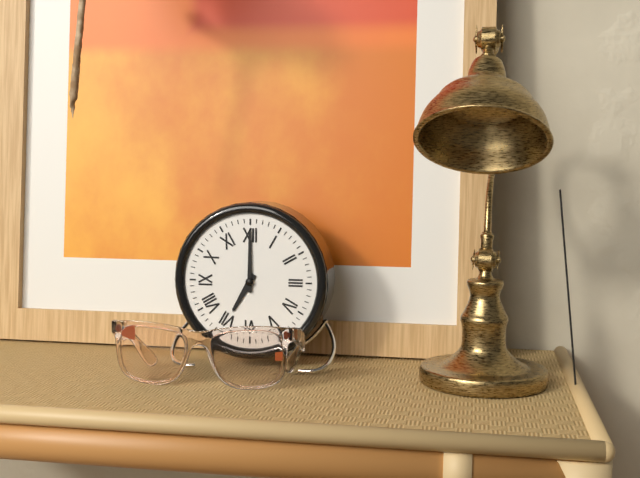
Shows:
7,00
